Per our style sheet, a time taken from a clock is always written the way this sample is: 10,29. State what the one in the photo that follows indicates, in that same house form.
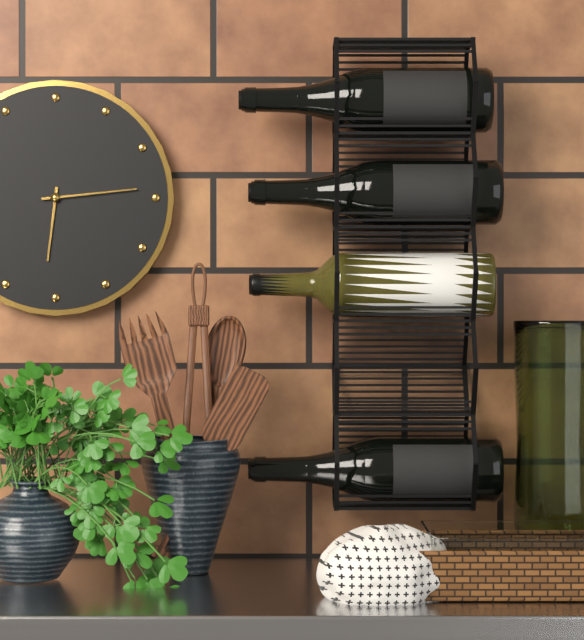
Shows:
6,14
